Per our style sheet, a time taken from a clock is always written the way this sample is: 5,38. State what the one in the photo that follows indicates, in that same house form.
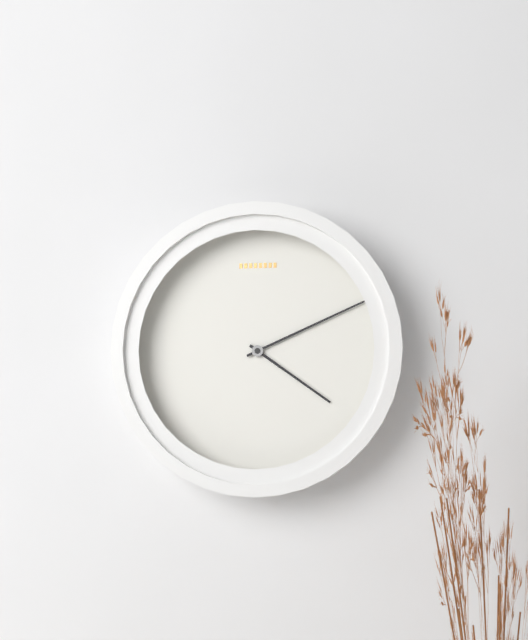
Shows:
4,11
